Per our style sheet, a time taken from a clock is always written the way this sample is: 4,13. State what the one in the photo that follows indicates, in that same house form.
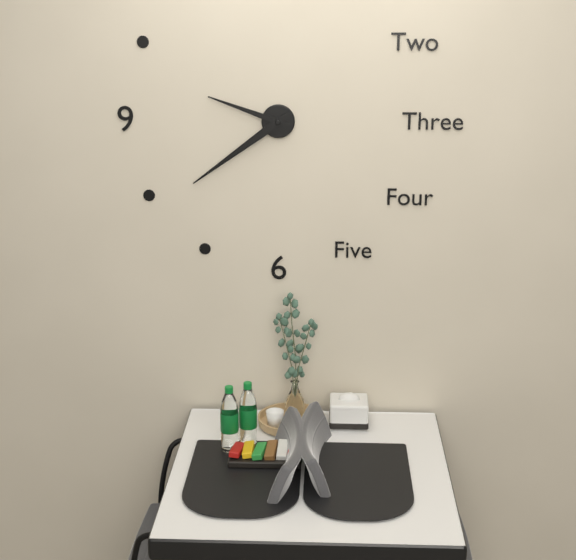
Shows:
9,39
